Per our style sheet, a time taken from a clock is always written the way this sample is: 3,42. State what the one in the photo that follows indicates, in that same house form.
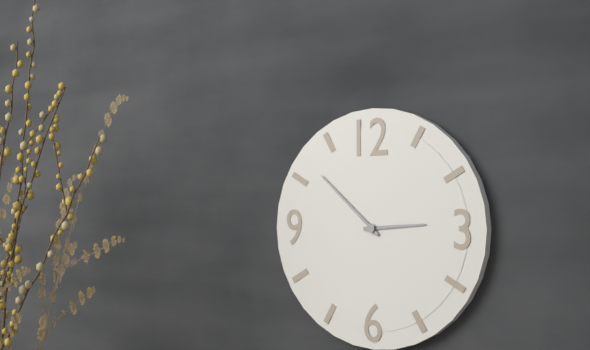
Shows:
2,52
